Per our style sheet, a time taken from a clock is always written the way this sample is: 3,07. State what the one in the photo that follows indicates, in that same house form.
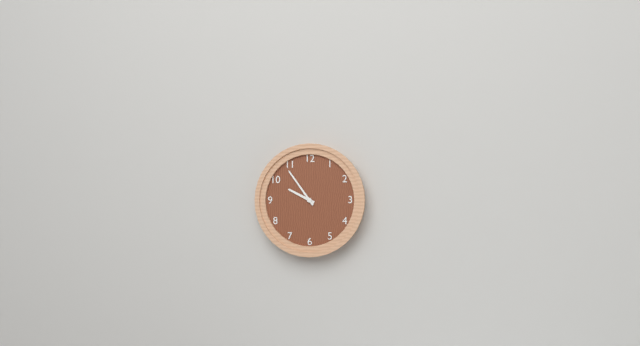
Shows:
9,54
